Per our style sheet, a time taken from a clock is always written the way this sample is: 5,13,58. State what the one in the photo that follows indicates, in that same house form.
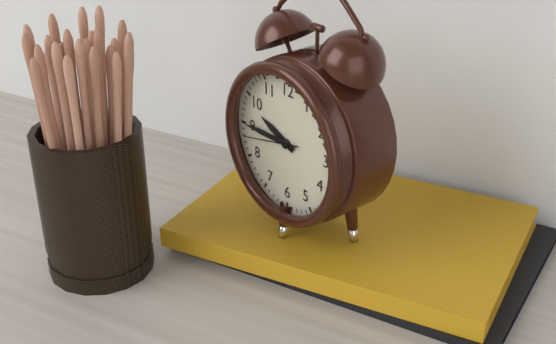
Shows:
9,45,43
